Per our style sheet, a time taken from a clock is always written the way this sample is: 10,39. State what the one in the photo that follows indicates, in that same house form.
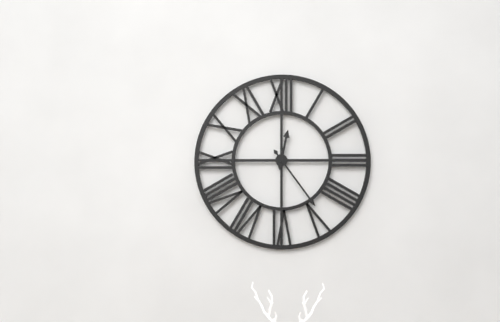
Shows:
12,24
